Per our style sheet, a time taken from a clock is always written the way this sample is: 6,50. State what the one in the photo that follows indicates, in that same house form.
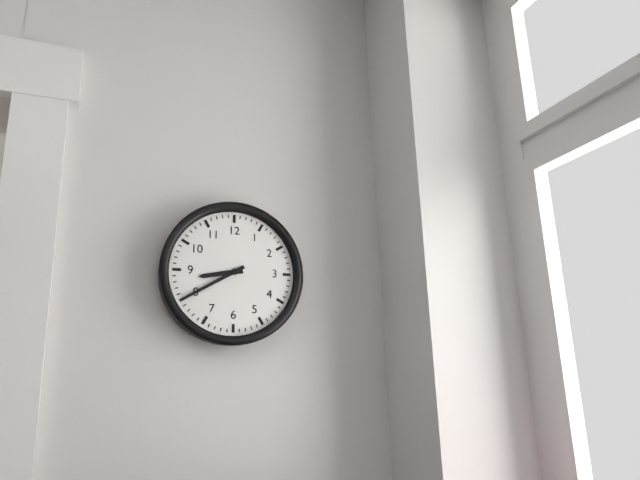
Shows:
8,40
